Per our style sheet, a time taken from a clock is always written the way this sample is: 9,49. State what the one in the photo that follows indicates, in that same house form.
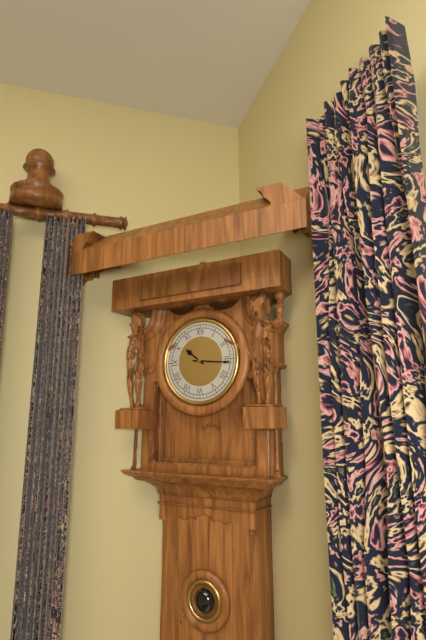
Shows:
10,16
